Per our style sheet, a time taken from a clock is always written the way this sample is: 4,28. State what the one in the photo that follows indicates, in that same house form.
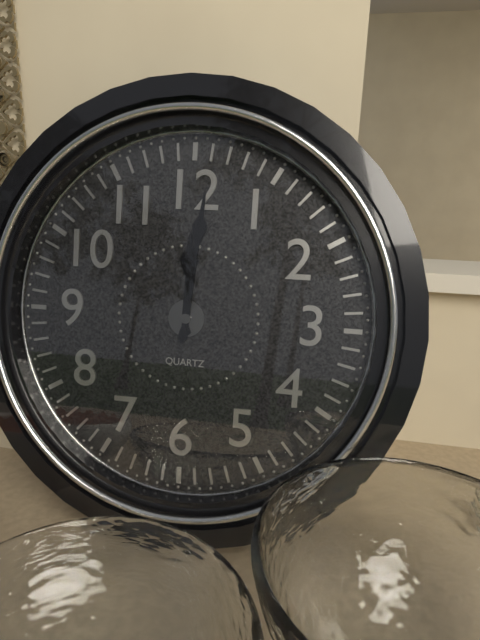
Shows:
12,01
